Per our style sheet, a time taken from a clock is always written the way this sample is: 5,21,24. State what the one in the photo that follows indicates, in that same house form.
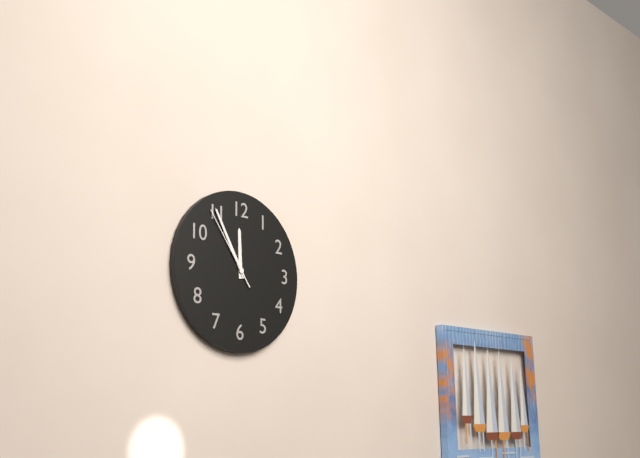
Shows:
11,55,54
